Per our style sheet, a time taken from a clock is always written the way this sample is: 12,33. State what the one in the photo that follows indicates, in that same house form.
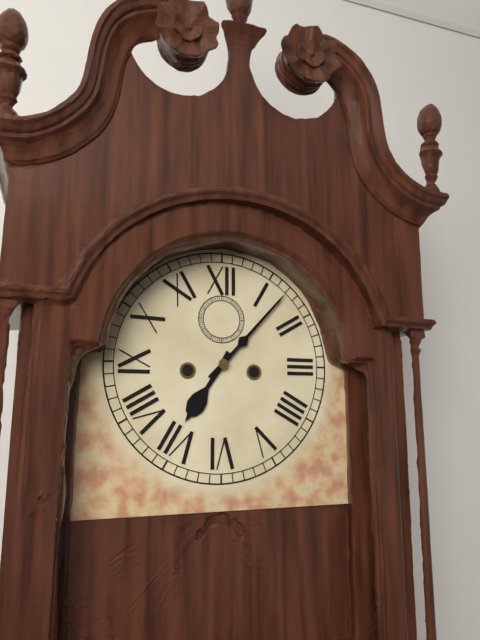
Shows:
7,07
